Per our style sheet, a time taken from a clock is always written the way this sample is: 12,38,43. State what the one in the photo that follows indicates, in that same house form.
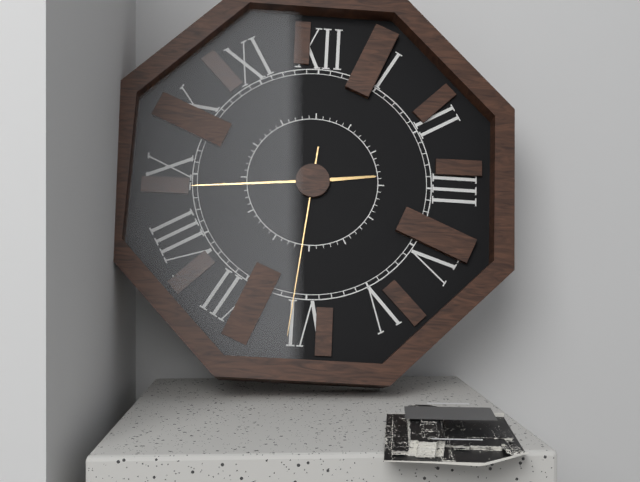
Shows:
2,44,31
